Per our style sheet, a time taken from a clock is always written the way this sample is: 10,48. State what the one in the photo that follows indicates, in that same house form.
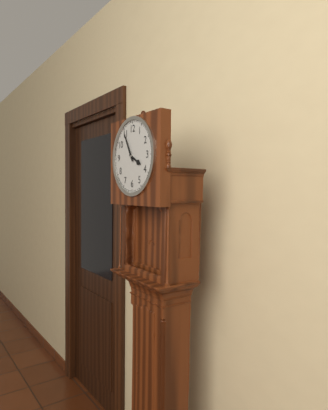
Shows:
3,55
